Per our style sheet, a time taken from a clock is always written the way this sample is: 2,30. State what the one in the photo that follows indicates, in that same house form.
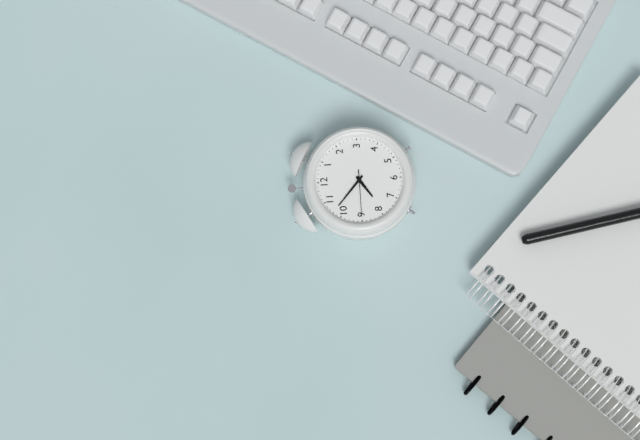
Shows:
7,52
